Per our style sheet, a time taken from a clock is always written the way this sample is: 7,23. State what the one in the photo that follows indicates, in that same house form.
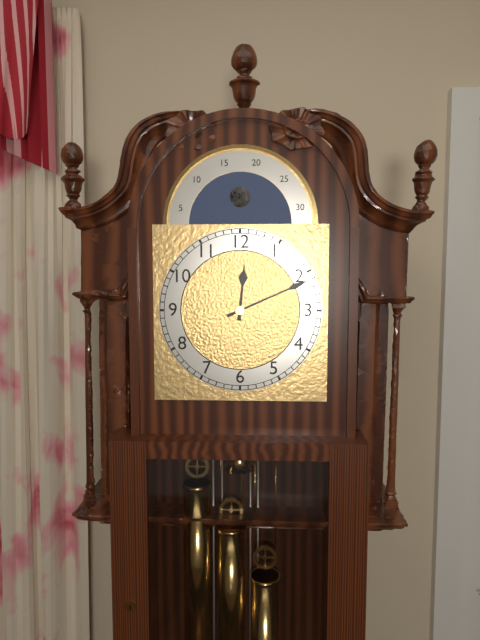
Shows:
12,11
